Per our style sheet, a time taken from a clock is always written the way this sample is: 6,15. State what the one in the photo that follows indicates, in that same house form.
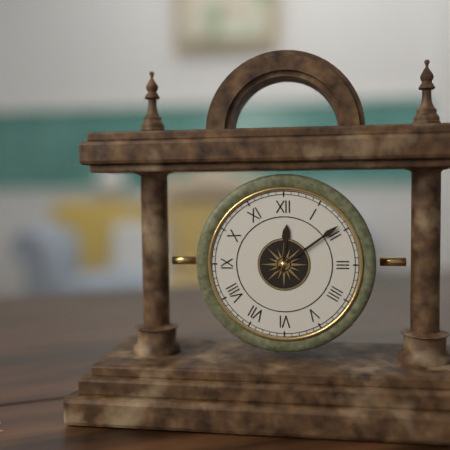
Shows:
12,09
